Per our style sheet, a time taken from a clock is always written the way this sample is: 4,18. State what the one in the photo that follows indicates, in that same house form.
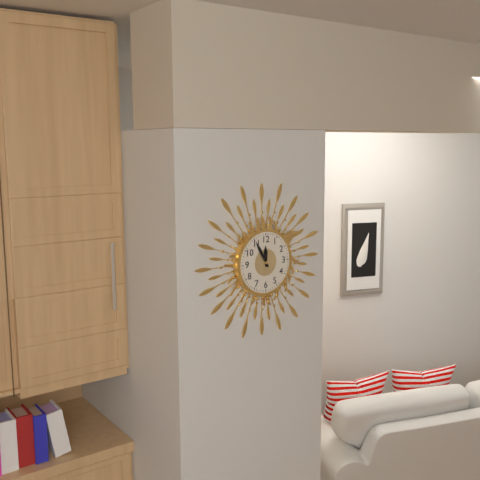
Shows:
11,55
